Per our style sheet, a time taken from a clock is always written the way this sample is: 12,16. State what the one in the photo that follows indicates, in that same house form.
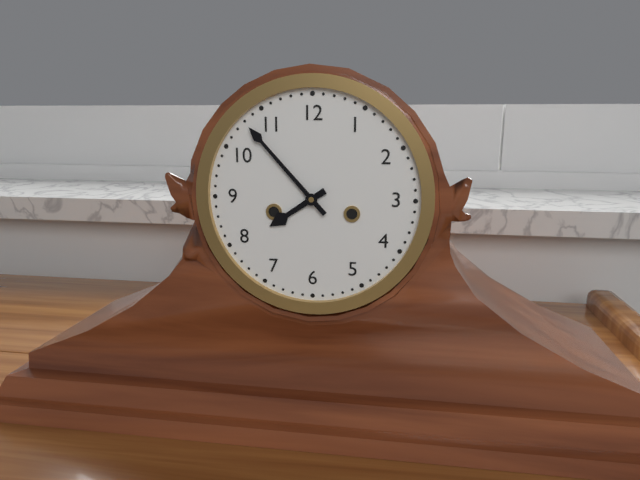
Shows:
7,53
